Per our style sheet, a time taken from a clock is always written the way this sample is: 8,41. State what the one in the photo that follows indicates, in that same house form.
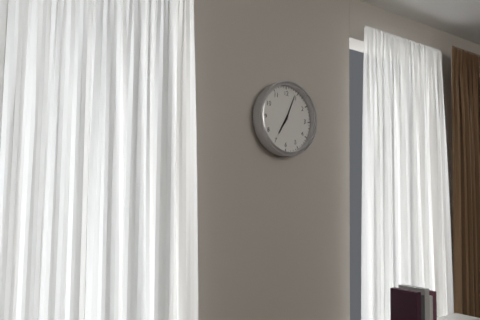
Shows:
7,04
